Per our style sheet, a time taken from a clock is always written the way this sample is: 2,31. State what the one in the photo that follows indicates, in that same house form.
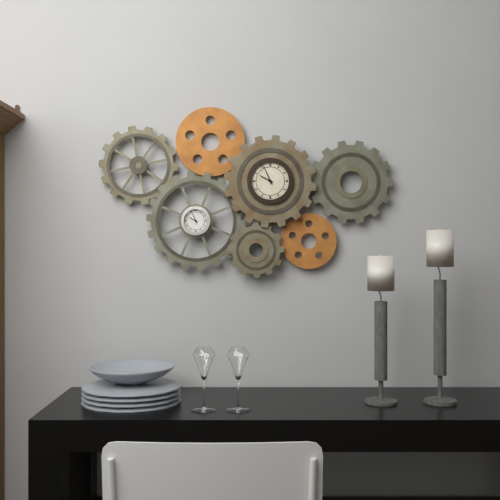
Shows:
9,56
